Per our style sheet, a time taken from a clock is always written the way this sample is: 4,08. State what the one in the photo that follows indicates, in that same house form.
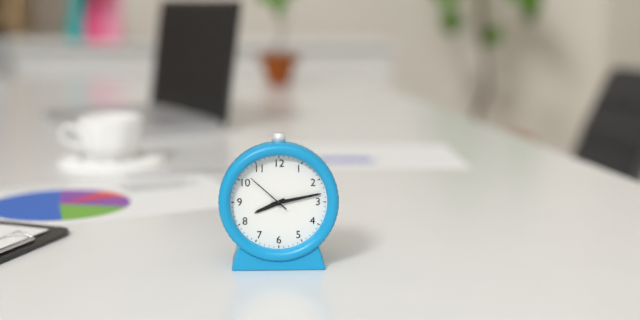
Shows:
8,13
